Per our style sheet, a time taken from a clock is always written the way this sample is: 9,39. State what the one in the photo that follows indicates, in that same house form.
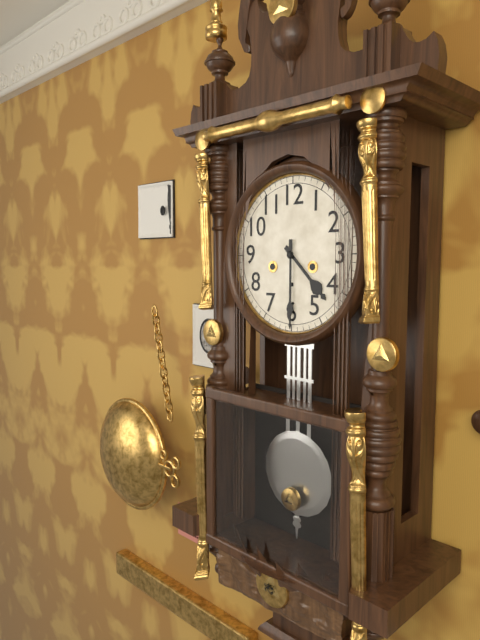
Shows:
4,30
